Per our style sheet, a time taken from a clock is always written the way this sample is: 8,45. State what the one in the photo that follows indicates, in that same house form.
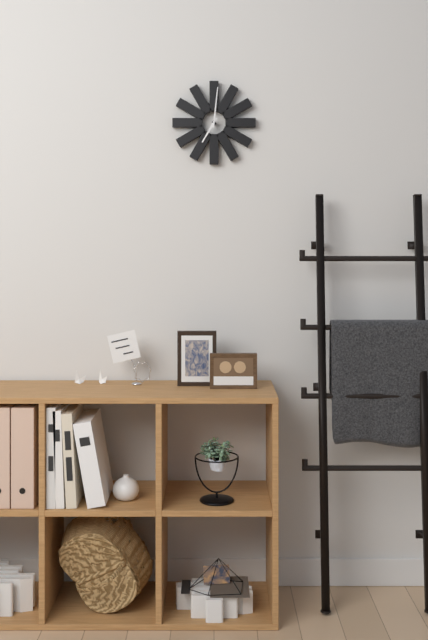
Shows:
7,01
